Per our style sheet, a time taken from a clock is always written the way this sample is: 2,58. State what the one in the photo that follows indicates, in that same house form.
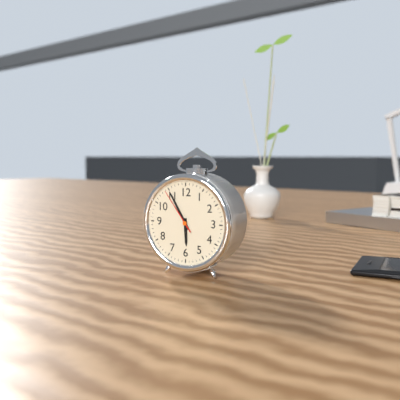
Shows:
5,55
